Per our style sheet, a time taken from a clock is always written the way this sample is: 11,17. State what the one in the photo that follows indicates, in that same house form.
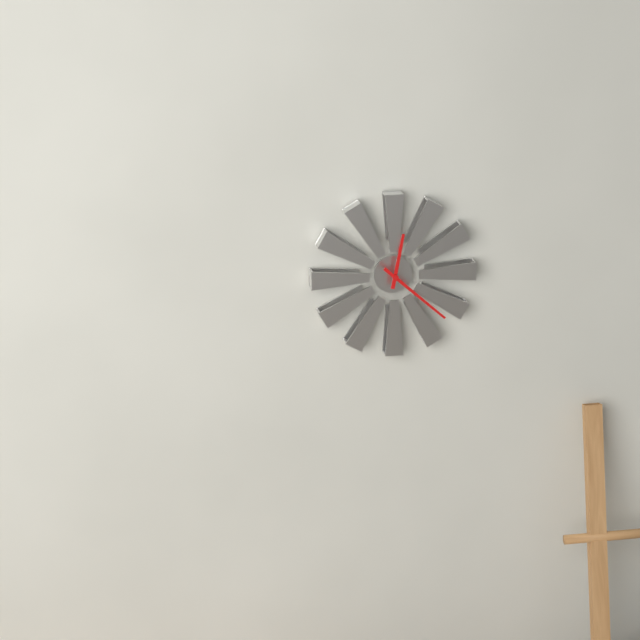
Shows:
12,22
